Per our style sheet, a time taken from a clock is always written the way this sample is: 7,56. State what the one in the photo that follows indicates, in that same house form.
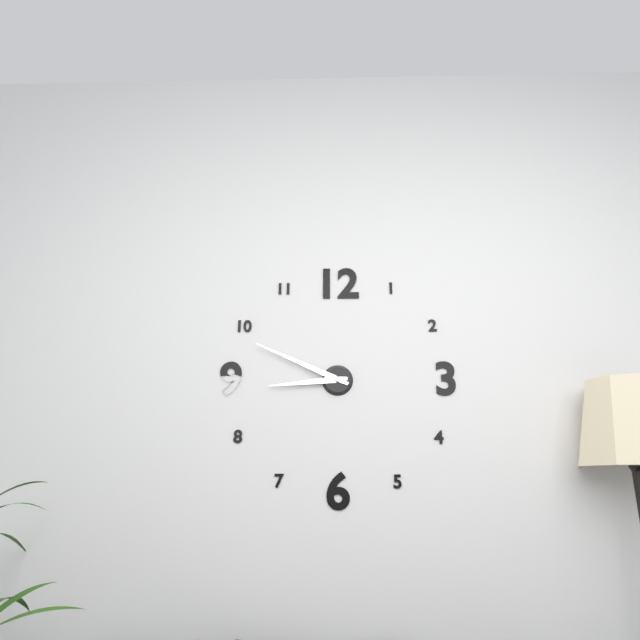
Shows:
8,49
